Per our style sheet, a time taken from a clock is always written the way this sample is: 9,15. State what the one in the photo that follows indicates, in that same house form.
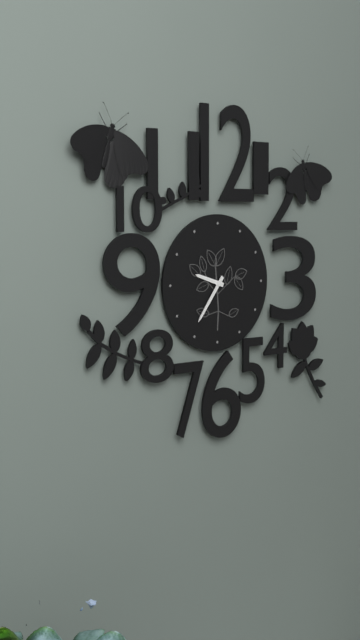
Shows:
9,36
